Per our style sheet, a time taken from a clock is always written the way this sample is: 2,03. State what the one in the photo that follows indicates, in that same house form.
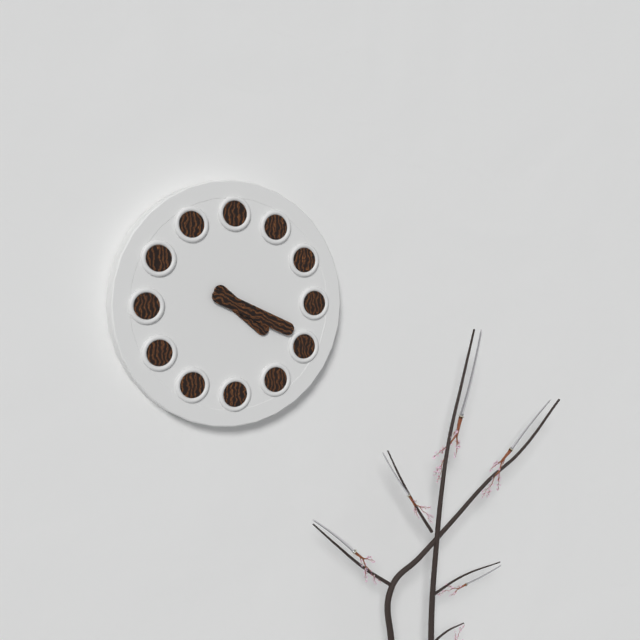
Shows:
4,19
